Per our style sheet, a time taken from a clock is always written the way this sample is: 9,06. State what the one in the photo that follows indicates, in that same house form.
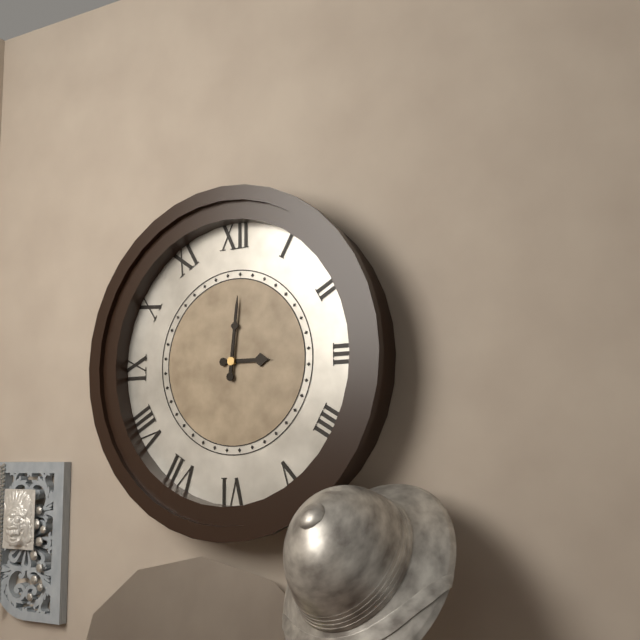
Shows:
3,01
